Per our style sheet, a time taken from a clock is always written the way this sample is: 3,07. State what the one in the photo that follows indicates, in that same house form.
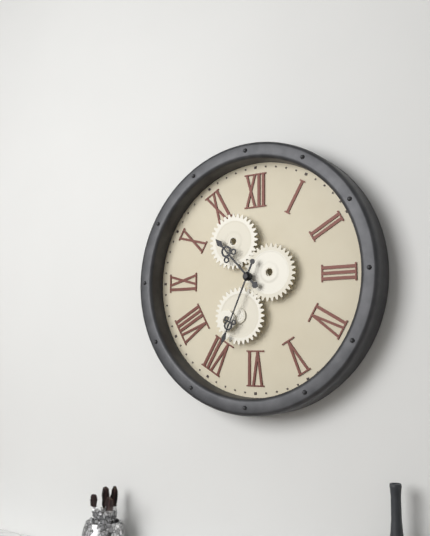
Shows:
10,34
